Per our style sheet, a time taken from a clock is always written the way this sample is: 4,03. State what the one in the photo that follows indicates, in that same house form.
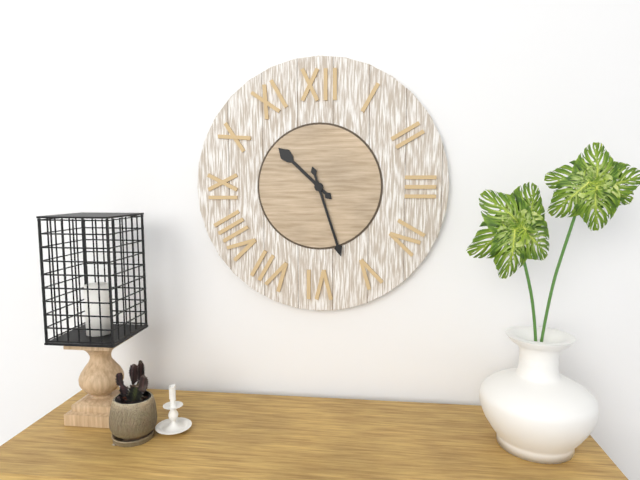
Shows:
10,27
